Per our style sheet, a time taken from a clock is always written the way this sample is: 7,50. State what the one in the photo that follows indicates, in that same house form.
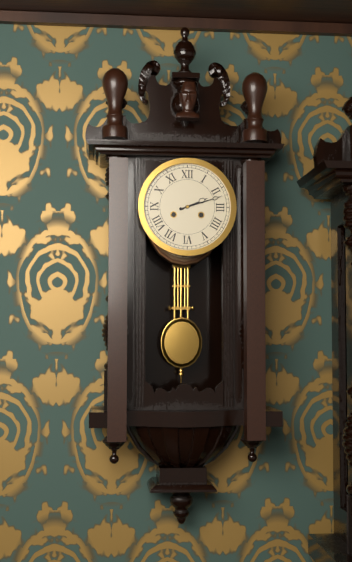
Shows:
2,12
